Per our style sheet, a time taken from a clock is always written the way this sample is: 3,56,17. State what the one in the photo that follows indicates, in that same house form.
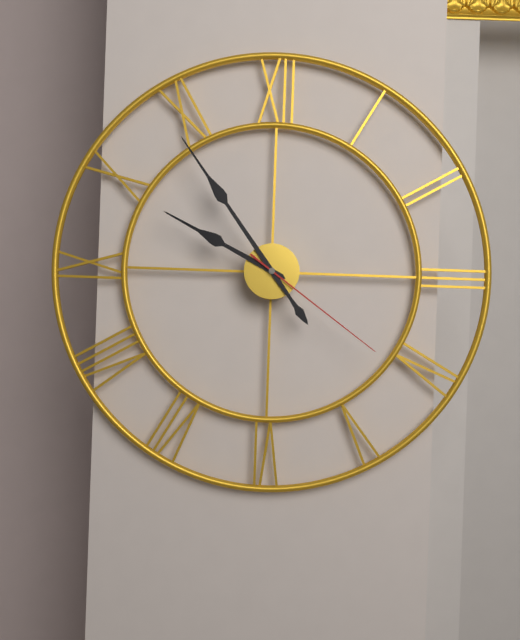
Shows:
9,54,21
